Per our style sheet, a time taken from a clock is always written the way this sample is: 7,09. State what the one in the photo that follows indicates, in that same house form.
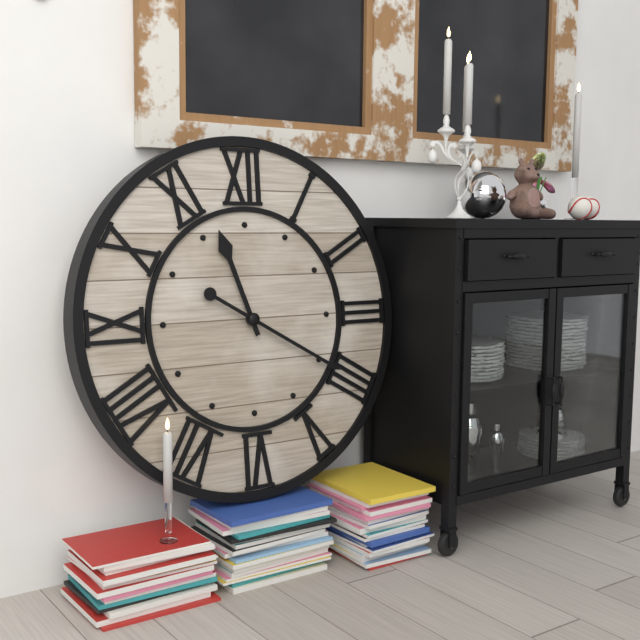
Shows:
11,20
